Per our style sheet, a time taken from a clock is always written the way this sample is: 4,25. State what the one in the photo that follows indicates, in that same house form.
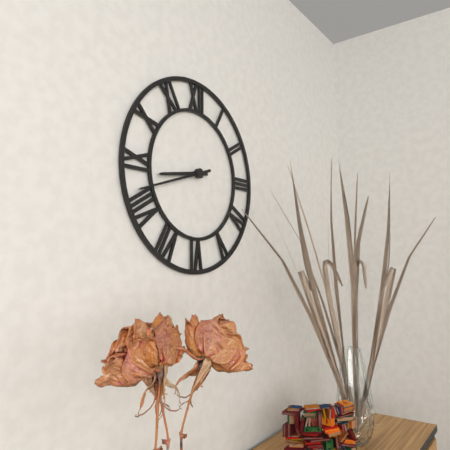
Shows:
8,42
